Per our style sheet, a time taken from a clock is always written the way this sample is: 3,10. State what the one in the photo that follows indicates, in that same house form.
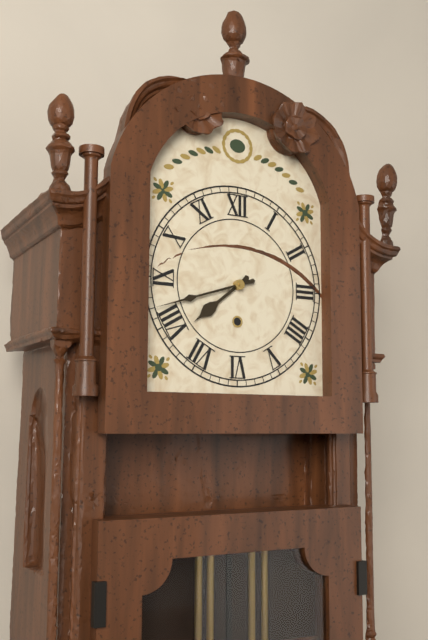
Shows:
7,42
